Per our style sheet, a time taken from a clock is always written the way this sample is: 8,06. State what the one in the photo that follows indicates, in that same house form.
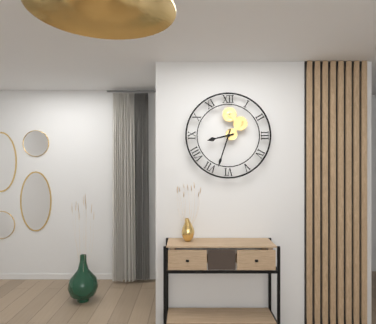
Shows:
8,33
